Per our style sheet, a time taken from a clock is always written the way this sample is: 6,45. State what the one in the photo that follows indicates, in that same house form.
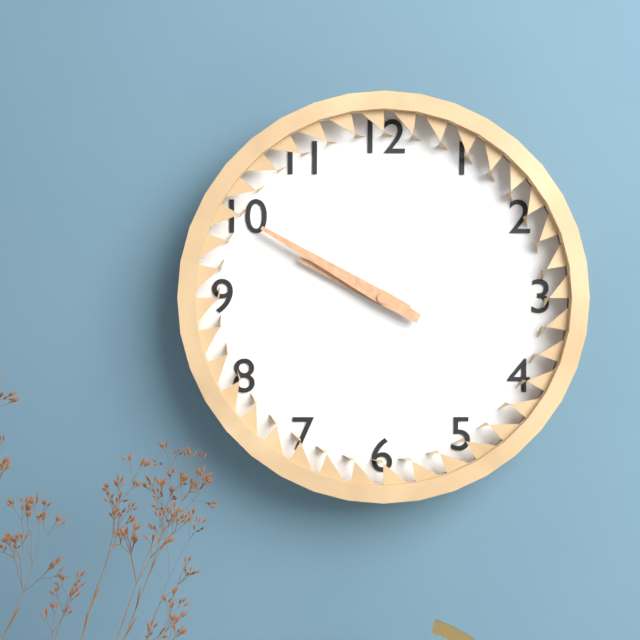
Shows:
9,50
